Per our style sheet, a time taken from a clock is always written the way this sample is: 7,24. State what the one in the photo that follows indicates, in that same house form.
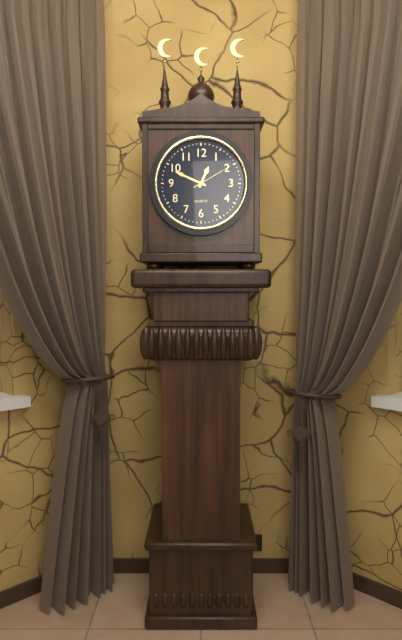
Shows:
12,49
